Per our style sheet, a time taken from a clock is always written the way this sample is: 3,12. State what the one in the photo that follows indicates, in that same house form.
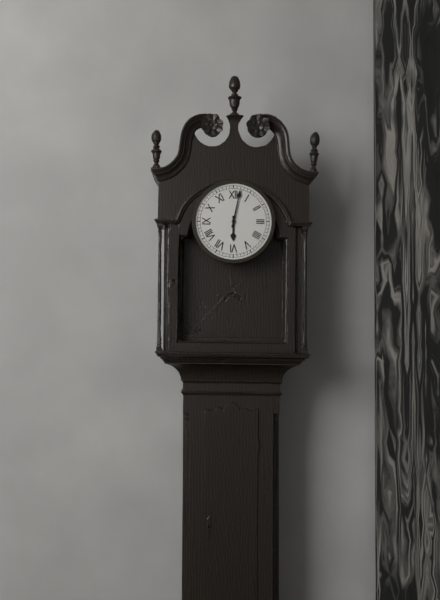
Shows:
6,02
